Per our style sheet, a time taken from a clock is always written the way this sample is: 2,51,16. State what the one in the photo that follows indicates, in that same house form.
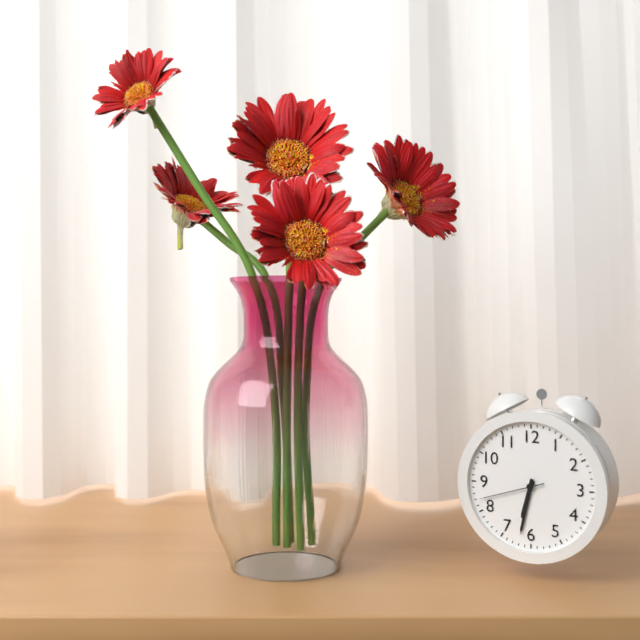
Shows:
6,32,42
